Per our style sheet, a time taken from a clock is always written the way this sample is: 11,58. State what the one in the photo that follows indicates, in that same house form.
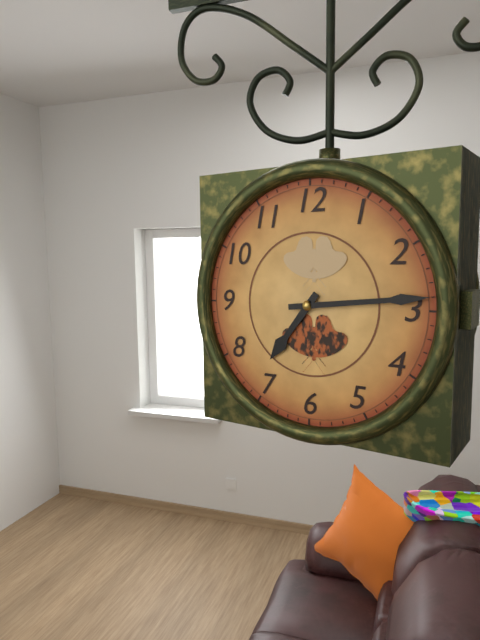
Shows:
7,14
